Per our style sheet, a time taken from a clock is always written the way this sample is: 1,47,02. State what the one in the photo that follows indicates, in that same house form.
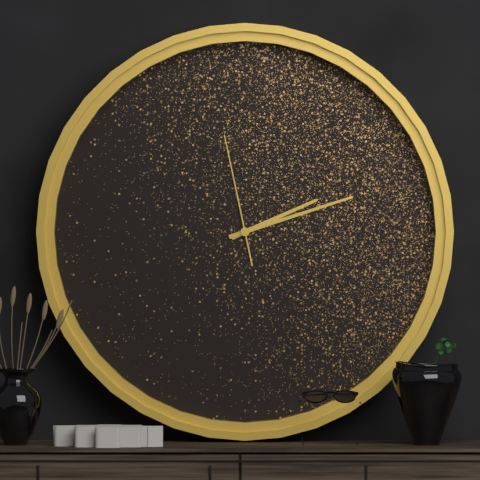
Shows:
2,12,58
